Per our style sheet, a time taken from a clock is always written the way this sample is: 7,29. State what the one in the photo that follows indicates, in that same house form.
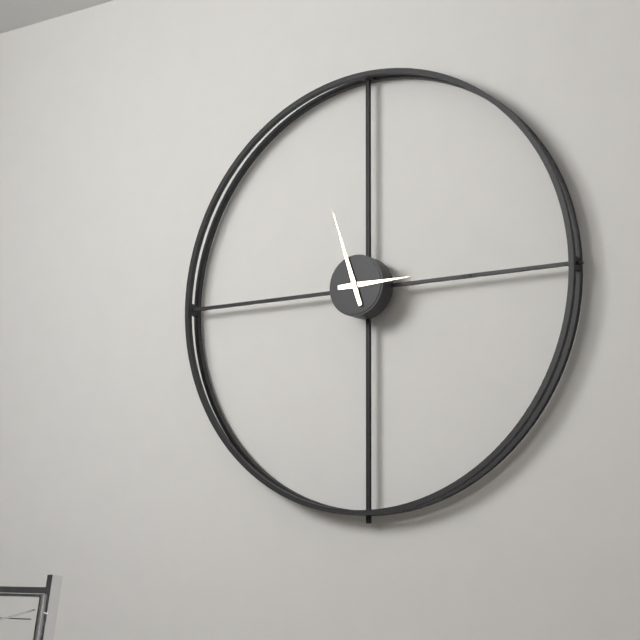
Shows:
2,57
